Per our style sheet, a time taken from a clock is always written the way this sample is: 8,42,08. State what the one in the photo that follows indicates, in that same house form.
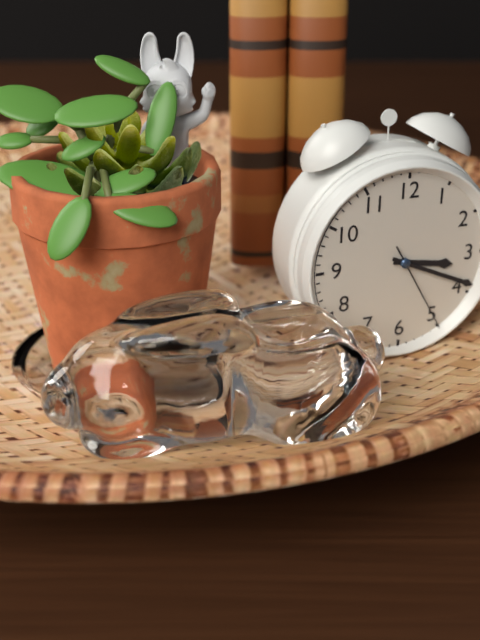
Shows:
3,19,25
